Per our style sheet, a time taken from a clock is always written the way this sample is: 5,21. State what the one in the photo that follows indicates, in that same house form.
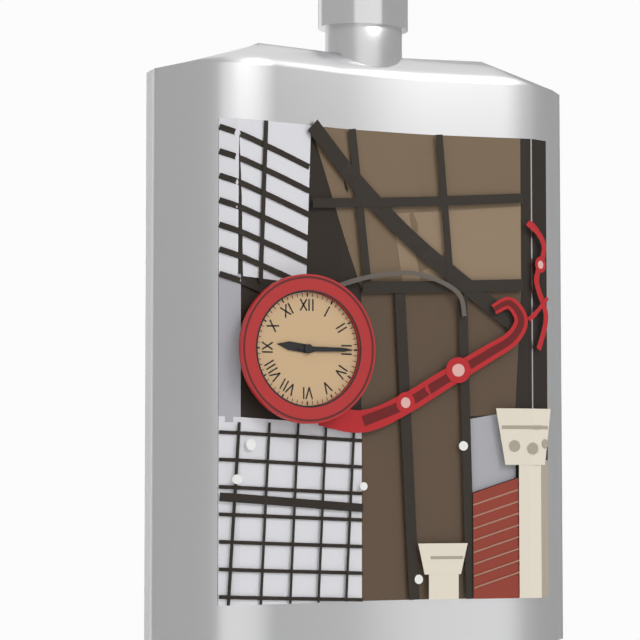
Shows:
9,15
